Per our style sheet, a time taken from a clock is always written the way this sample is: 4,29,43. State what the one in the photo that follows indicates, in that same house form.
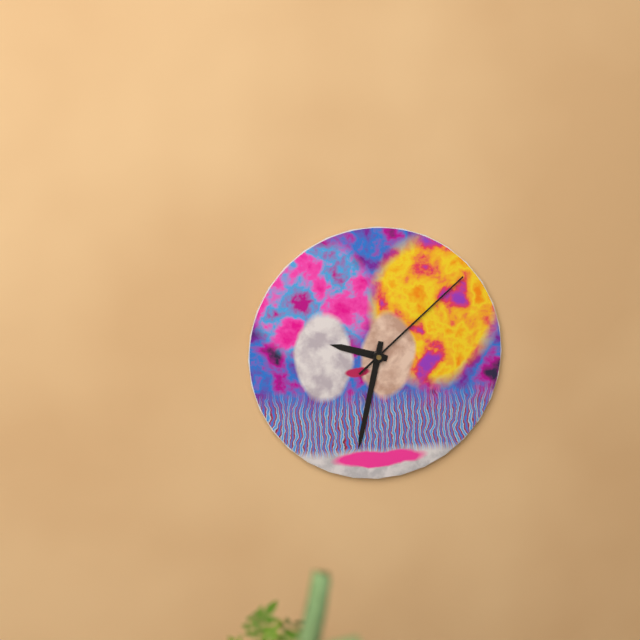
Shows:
9,32,08
